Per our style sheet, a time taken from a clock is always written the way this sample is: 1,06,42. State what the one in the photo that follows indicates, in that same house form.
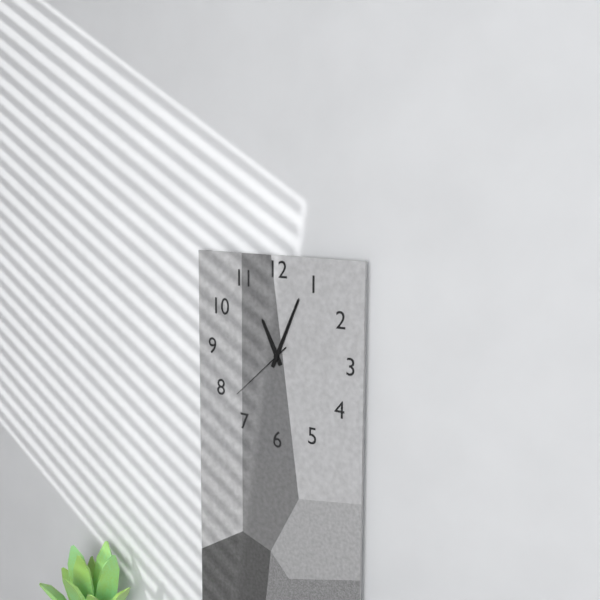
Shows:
11,04,38
